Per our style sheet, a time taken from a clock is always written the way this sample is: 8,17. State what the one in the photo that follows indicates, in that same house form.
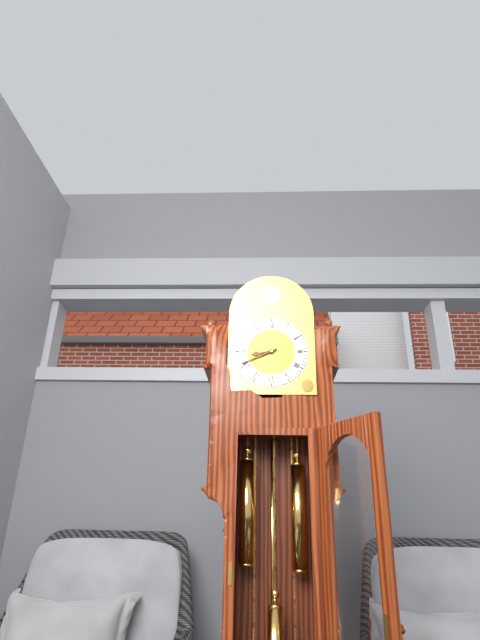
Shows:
8,41
